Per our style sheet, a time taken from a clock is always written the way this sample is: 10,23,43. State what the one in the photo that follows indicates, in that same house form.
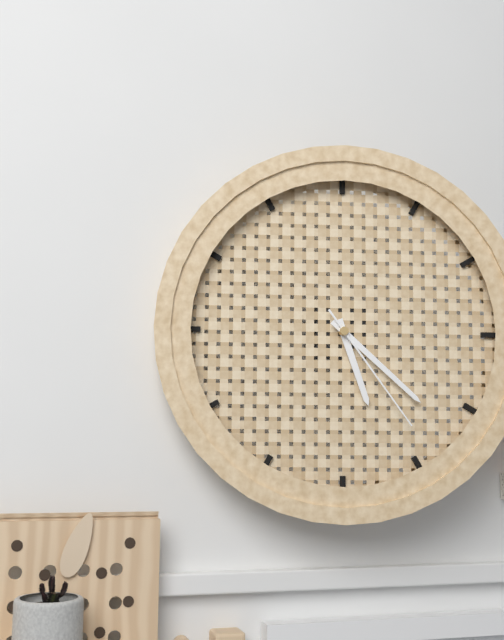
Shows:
5,22,24
